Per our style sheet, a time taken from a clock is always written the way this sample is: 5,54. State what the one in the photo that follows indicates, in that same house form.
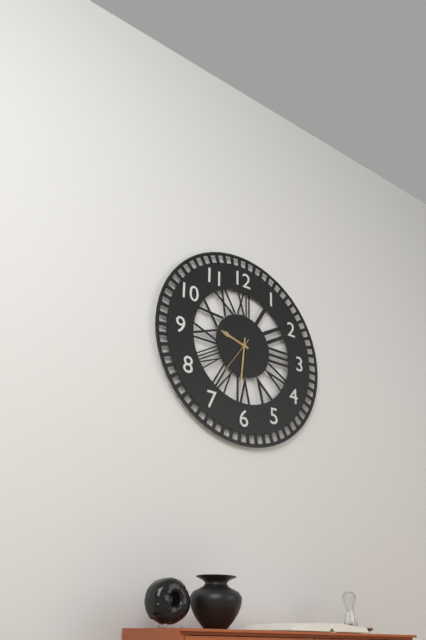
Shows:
9,31
